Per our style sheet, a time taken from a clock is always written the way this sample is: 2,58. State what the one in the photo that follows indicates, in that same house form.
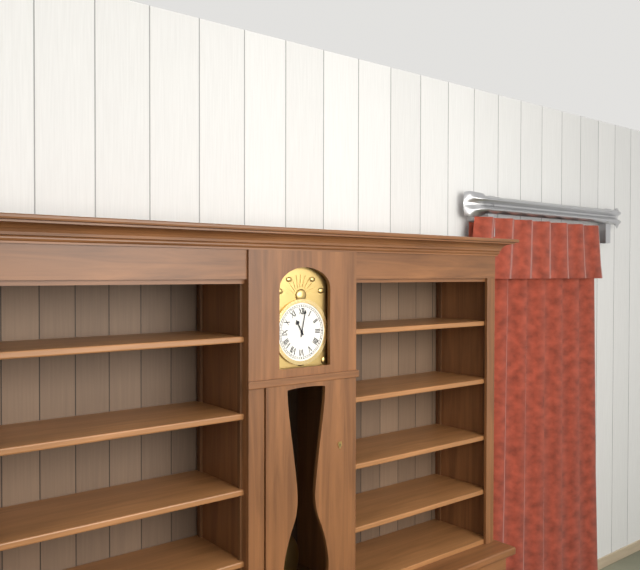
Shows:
11,02
